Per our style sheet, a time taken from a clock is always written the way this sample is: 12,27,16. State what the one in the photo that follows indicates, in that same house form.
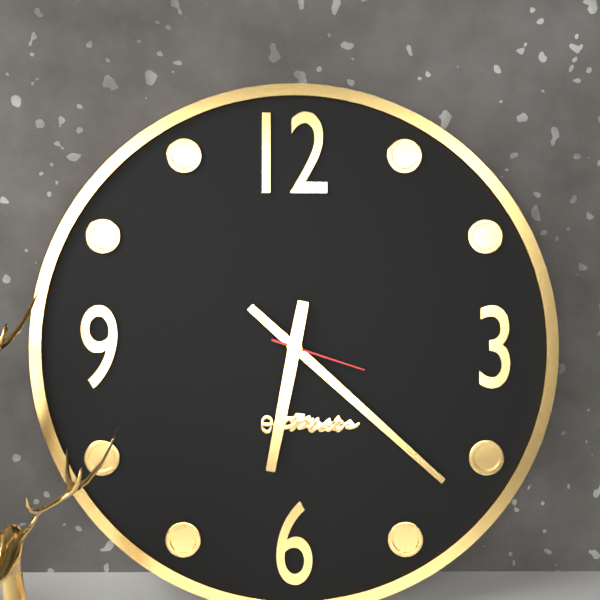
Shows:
6,22,18
